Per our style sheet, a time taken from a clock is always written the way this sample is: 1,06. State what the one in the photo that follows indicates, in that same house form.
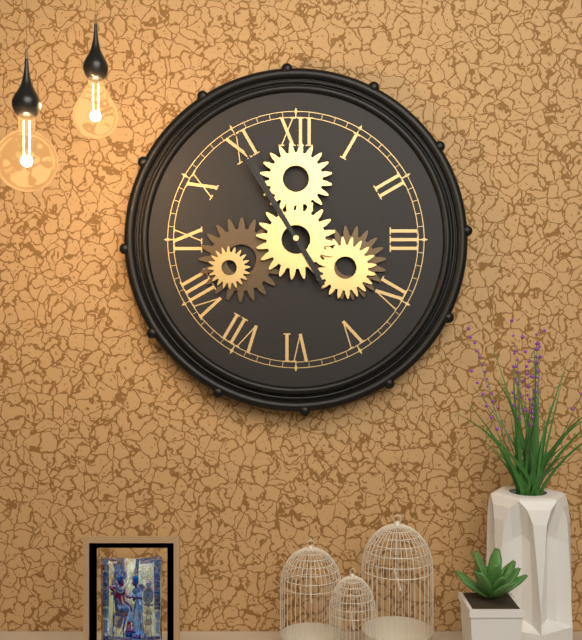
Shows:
10,55
